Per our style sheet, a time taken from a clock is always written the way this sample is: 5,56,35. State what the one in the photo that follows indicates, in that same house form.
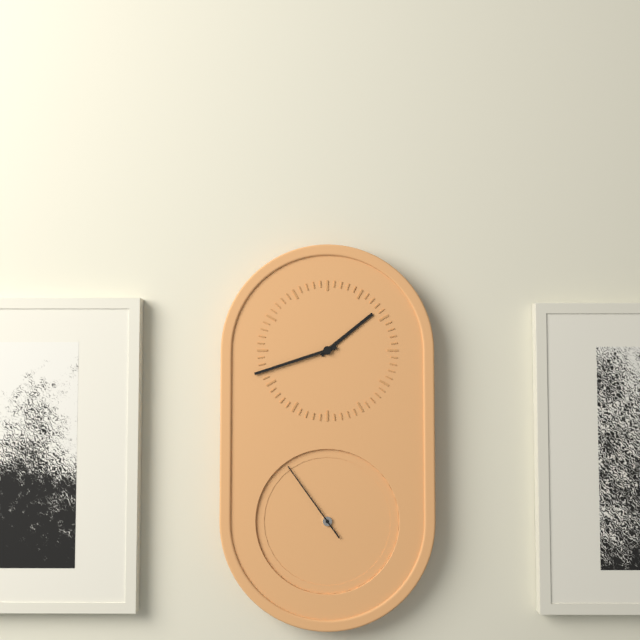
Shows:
1,42,54
